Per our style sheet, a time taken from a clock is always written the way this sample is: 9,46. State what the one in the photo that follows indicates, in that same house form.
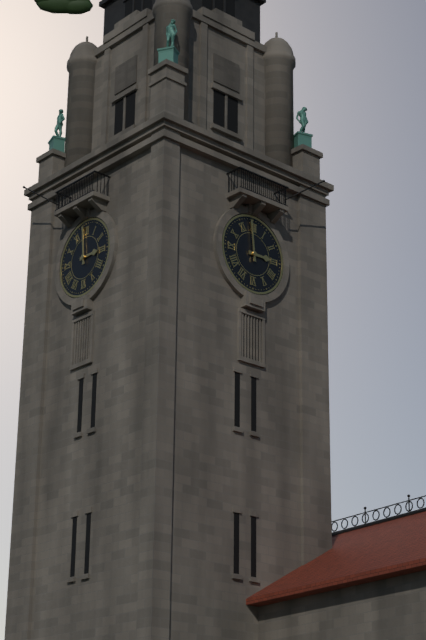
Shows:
2,59
